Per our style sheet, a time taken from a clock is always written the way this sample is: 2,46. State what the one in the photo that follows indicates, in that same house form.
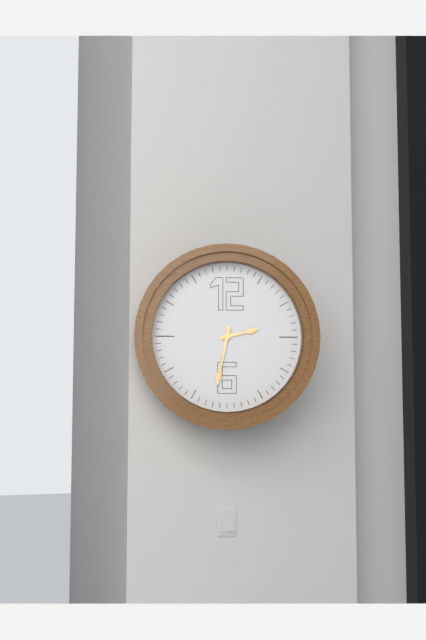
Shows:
2,32
